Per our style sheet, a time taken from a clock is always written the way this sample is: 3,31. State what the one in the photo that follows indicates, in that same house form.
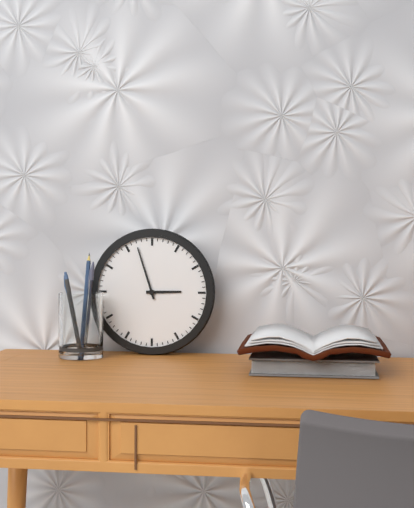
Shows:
2,57
